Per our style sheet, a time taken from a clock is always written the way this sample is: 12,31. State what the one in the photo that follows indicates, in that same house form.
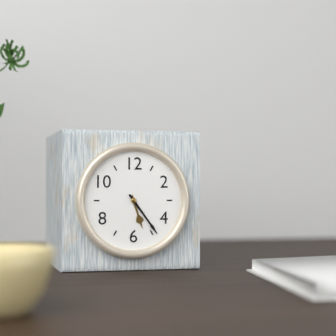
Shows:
5,24
